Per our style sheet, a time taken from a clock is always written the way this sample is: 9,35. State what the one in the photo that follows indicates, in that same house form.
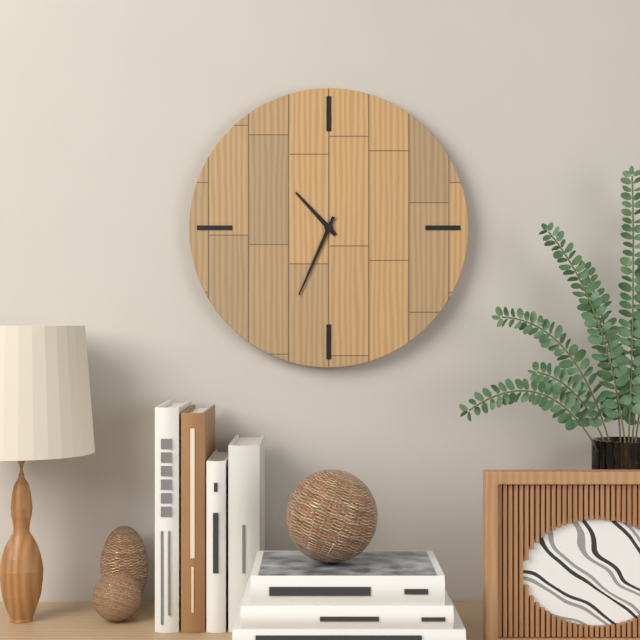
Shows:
10,34
